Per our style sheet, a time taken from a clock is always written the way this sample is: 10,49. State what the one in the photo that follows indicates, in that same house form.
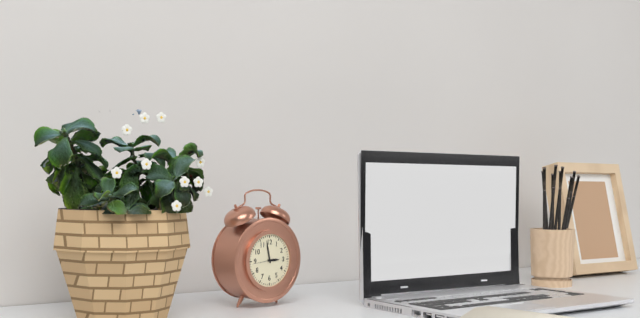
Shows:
2,58
